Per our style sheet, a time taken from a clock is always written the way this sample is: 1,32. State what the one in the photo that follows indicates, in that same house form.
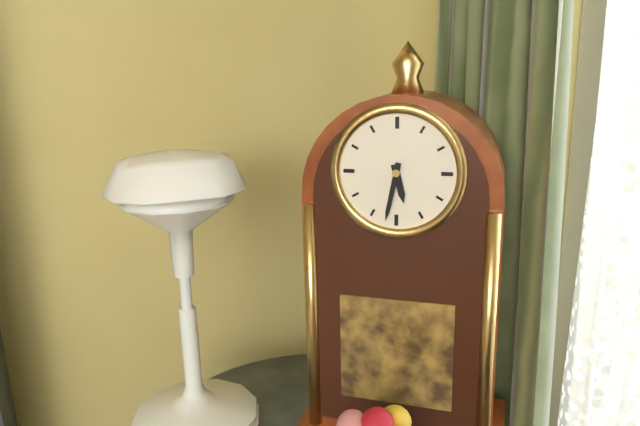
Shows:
5,32
